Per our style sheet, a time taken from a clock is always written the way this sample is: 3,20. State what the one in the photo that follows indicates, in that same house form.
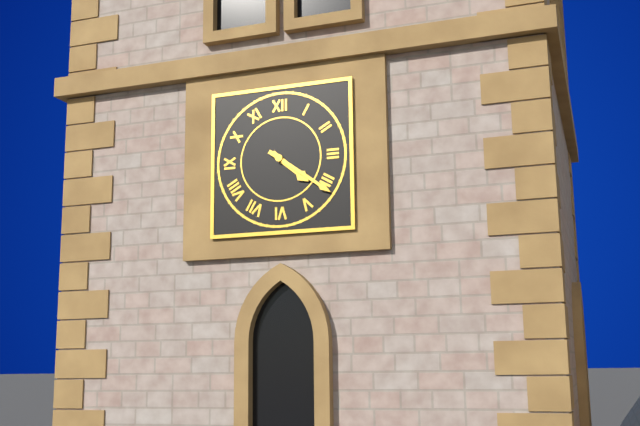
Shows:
4,21
